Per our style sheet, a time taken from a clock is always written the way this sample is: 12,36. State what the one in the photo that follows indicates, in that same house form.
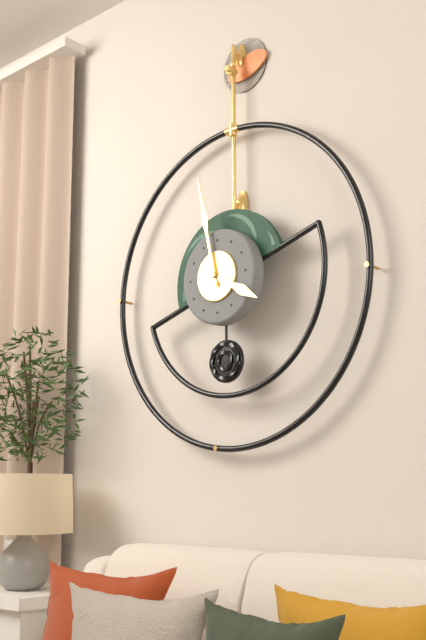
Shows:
3,58
